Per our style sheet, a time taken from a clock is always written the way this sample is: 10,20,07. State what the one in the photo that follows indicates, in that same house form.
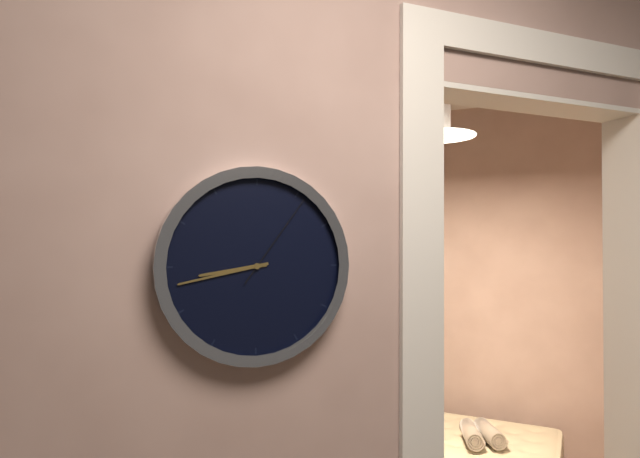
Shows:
8,43,06
